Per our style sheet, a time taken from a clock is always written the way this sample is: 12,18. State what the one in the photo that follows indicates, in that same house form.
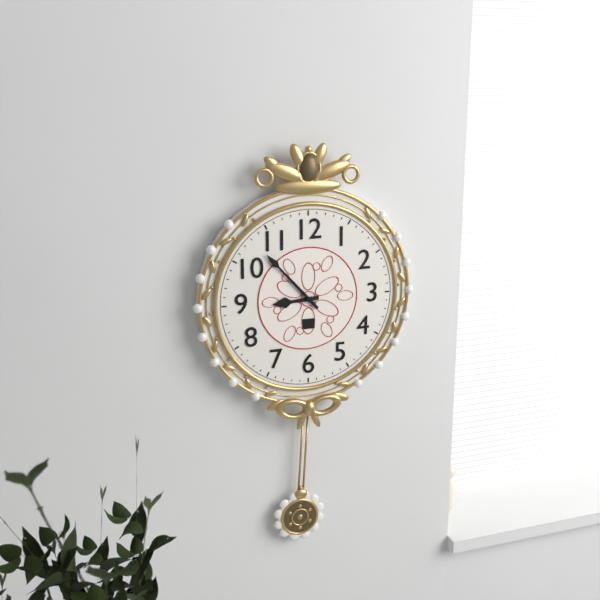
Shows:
8,53
